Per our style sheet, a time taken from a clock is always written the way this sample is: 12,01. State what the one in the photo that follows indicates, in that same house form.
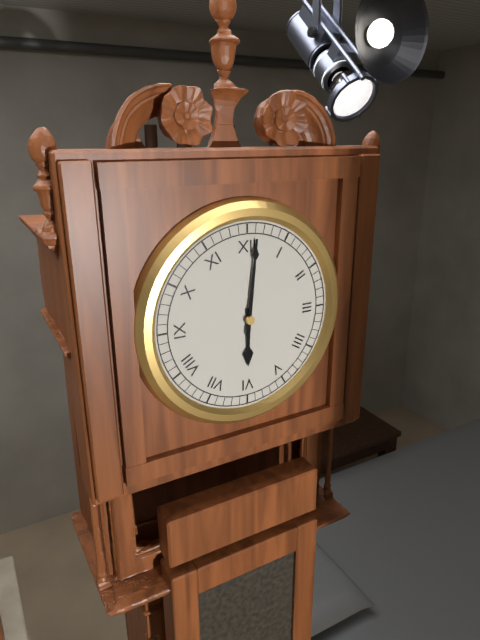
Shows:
6,01
